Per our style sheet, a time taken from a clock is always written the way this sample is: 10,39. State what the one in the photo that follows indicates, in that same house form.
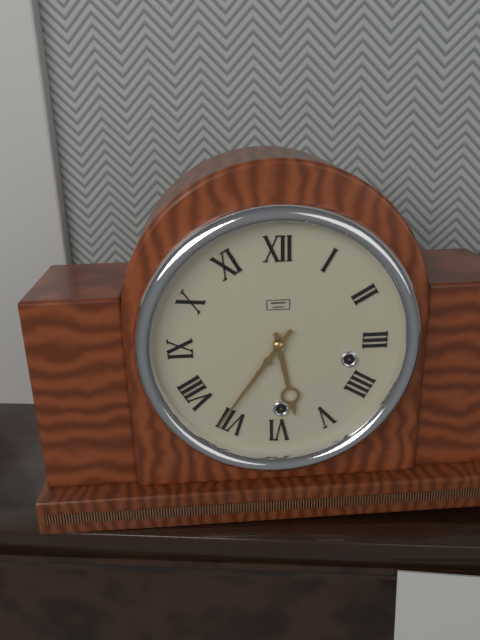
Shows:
5,36
